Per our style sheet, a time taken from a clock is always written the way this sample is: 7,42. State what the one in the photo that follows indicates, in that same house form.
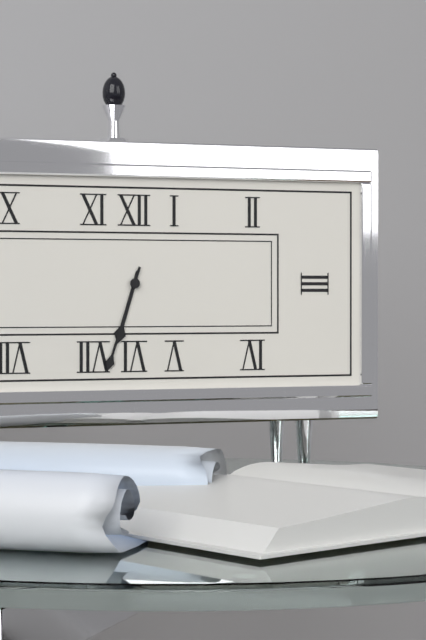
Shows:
6,33
